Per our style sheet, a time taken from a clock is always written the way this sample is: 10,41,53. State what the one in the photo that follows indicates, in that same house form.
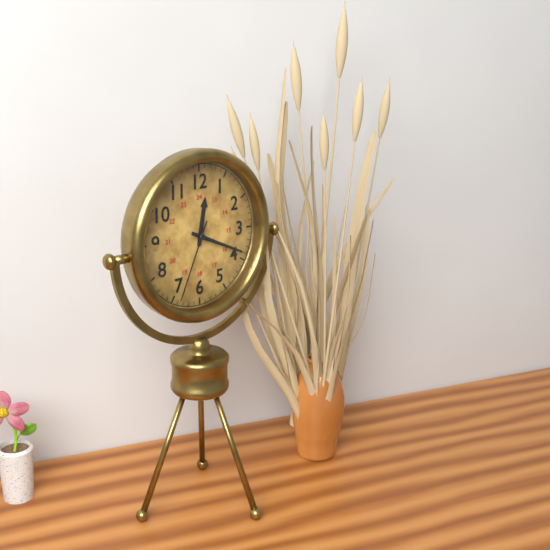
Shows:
12,19,34
